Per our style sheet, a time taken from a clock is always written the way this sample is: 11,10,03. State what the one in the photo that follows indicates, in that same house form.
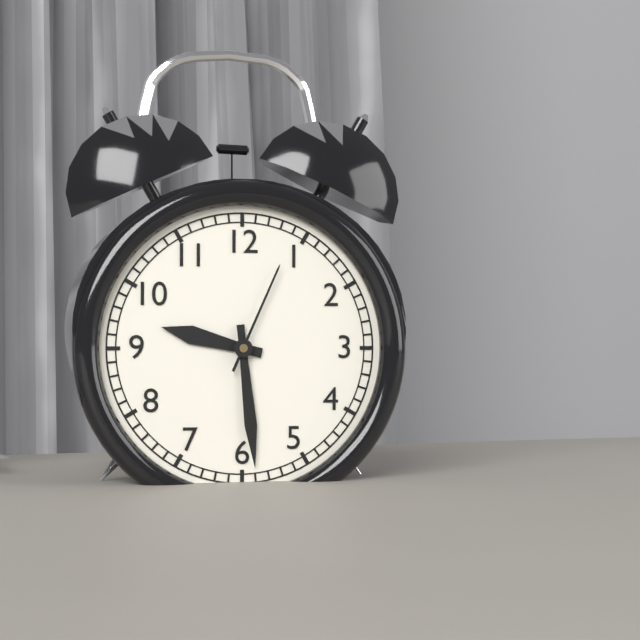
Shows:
9,29,04
